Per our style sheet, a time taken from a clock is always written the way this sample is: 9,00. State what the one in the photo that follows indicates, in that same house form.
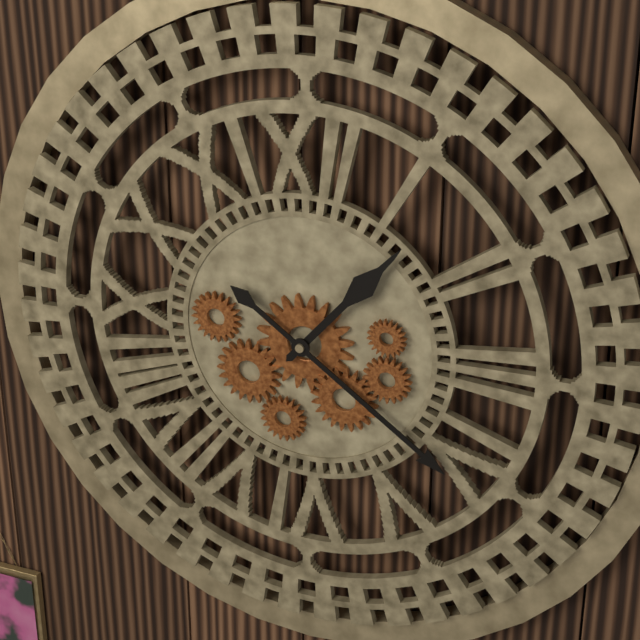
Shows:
1,21
